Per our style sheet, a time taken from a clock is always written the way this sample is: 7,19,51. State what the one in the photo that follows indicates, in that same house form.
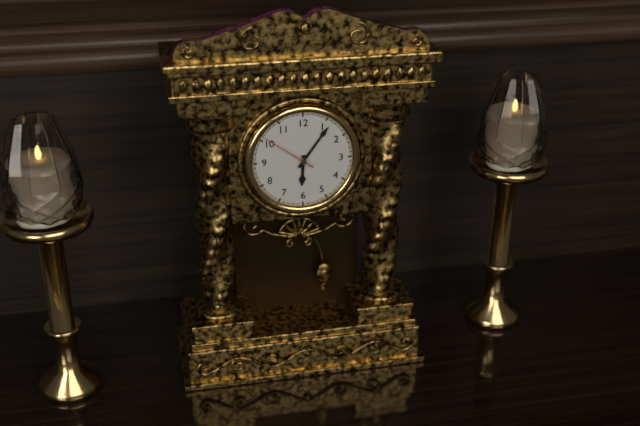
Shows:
6,06,51
